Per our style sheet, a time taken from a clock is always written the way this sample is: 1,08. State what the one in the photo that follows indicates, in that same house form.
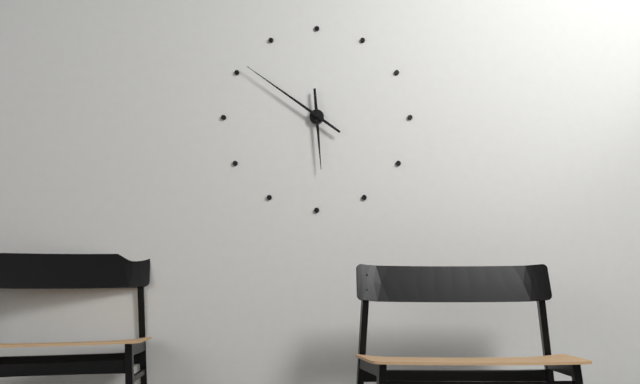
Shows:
5,51
